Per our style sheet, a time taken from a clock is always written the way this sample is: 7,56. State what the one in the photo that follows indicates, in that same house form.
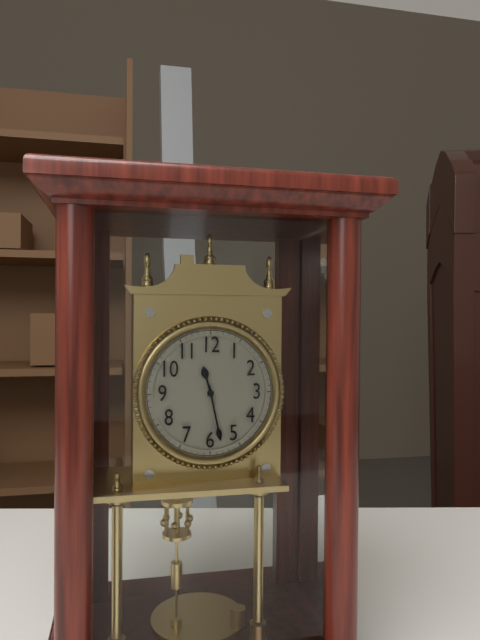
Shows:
11,28
